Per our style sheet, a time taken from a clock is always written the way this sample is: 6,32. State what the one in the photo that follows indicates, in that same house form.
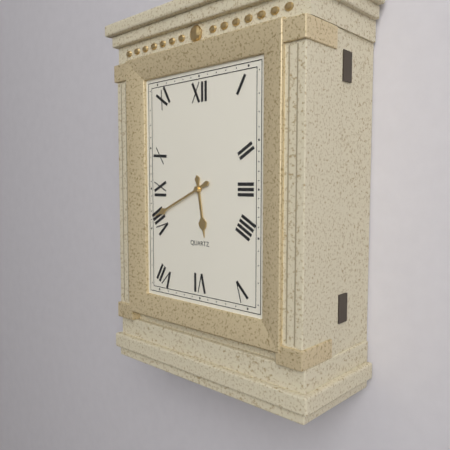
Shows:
5,41
